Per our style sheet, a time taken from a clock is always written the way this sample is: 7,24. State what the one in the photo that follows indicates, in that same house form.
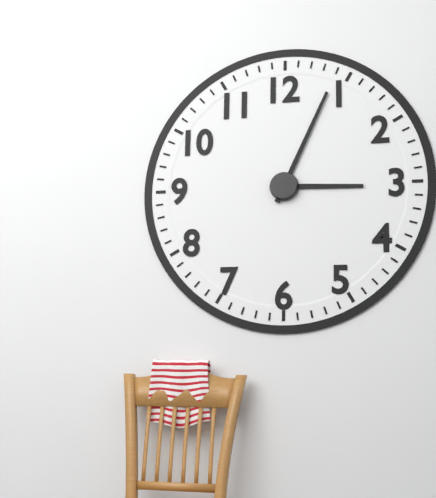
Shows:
3,04
